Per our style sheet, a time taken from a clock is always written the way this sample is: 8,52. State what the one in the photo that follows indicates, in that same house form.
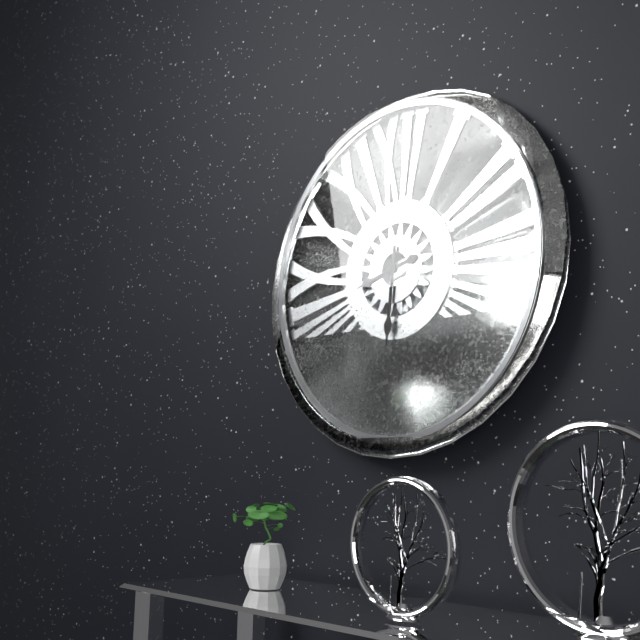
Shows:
8,31
